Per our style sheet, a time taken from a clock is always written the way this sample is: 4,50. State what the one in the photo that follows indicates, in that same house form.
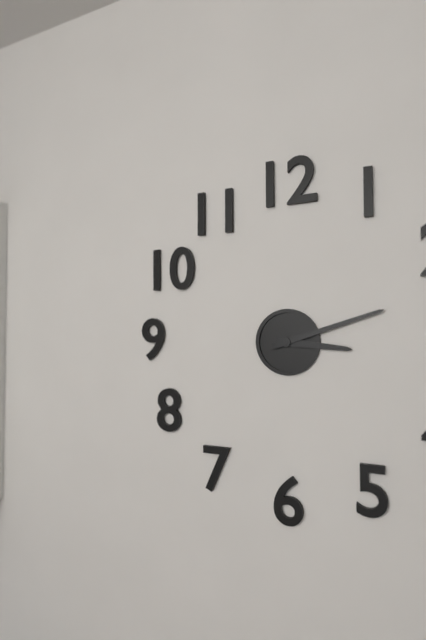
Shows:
3,12
